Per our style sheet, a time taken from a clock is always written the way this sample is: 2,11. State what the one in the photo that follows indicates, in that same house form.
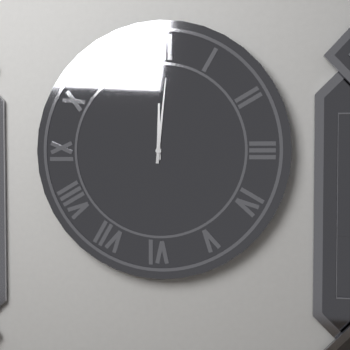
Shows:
12,01
